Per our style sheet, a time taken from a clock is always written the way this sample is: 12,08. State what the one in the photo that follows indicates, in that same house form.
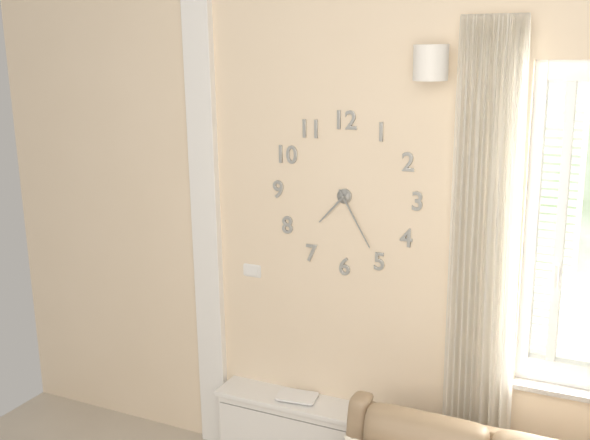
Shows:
7,25
